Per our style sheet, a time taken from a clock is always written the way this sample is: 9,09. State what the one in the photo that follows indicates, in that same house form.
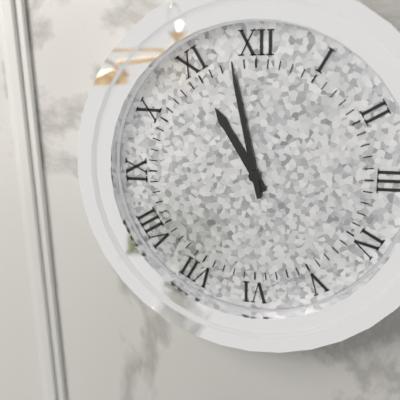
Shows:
10,58
